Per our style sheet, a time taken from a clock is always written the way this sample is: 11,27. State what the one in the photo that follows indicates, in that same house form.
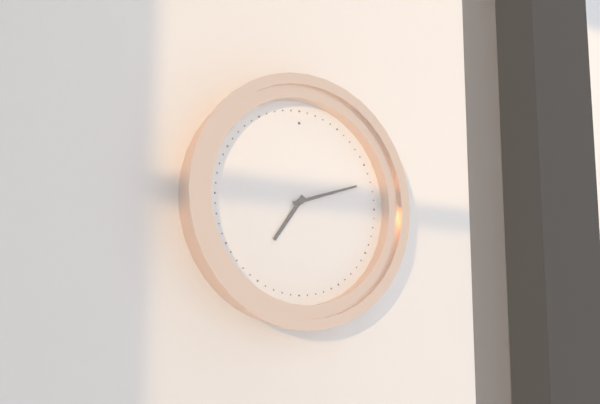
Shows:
7,12
